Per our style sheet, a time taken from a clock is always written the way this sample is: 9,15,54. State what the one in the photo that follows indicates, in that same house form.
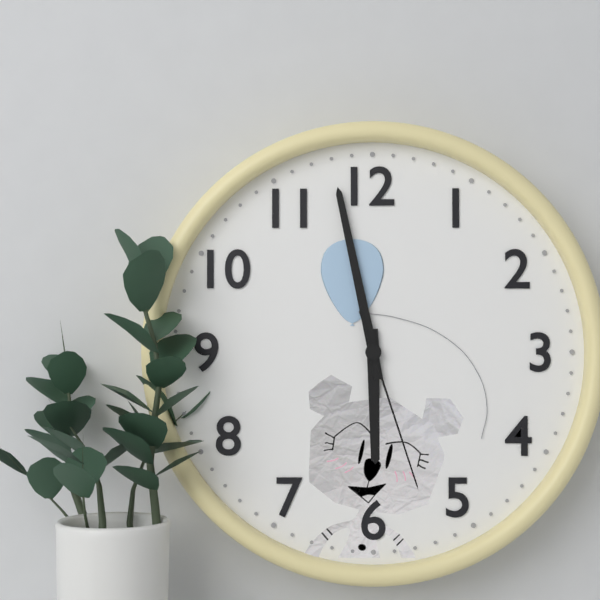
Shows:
5,58,27
